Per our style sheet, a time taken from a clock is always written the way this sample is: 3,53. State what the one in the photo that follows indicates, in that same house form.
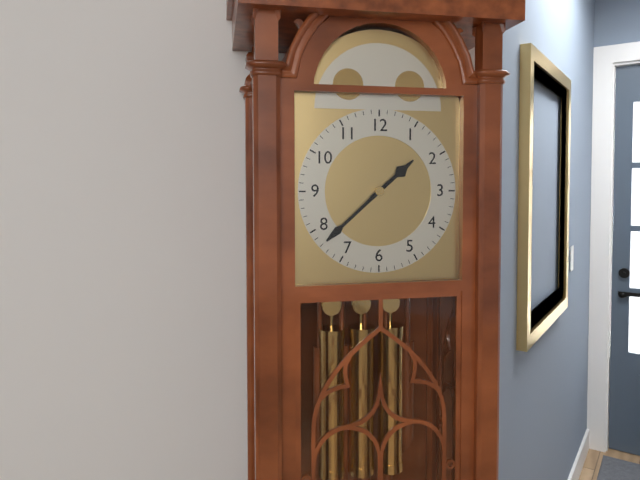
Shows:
1,38
